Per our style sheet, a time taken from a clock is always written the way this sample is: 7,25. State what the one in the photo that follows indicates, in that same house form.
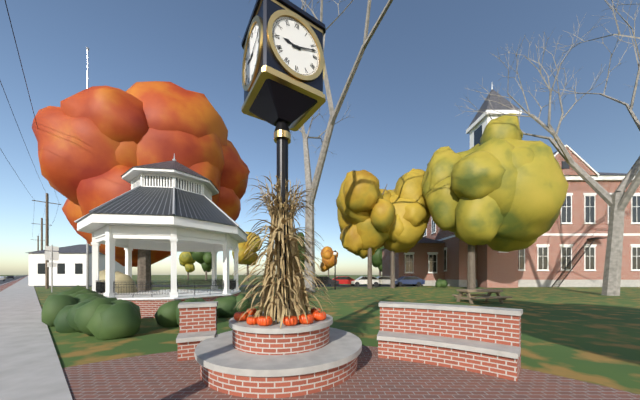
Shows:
9,12
